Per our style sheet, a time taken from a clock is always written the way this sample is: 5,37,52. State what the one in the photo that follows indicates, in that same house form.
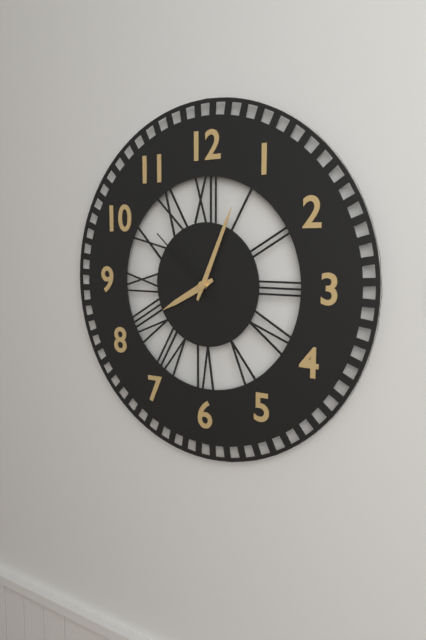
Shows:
8,04,52
